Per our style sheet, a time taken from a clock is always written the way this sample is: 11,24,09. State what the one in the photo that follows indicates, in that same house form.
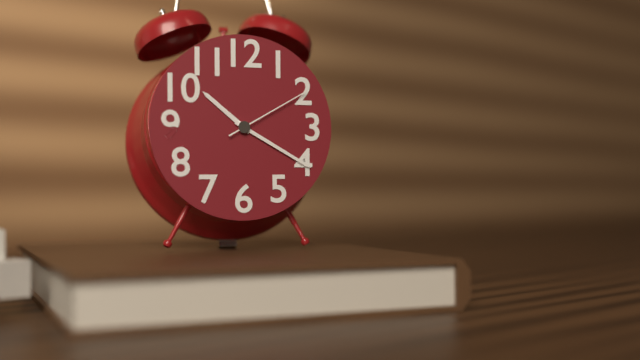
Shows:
10,20,10
